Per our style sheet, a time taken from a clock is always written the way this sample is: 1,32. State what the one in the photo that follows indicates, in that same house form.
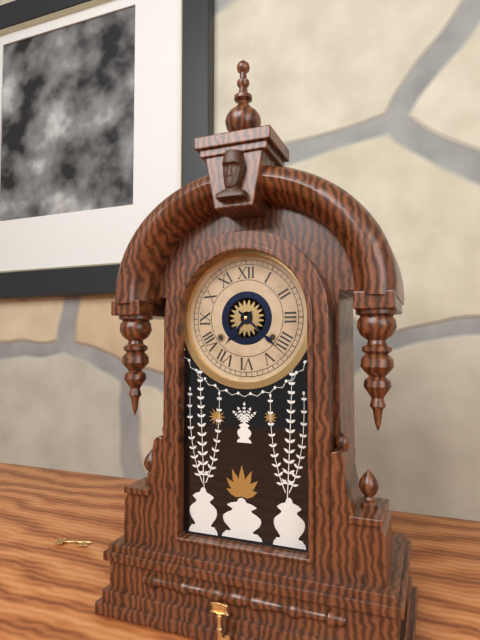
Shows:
7,22
